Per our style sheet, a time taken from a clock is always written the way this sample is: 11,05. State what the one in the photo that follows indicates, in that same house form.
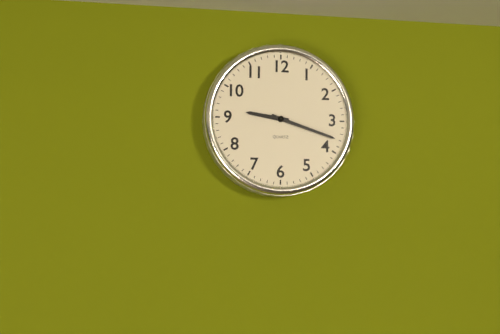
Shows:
9,18
